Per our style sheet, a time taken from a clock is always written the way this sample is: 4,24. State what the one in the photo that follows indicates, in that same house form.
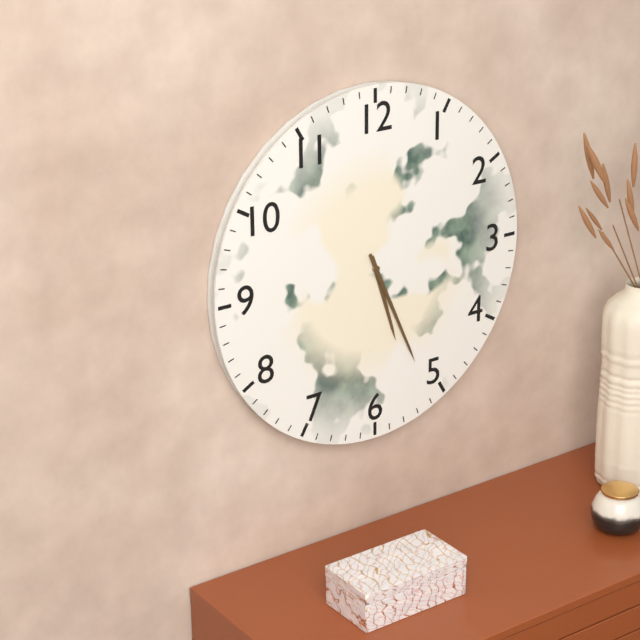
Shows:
5,26
